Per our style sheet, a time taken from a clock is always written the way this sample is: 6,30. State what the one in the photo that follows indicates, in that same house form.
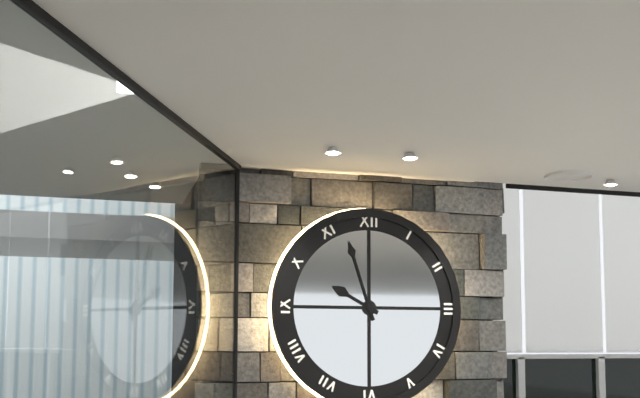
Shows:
9,57
